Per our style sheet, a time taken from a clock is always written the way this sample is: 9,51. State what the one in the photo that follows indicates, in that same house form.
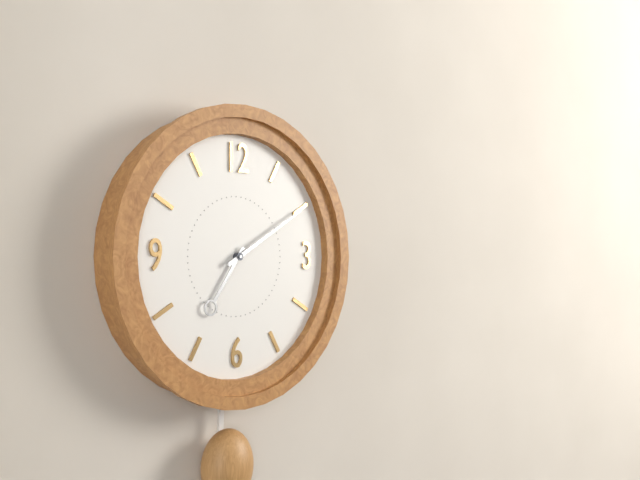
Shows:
7,10
